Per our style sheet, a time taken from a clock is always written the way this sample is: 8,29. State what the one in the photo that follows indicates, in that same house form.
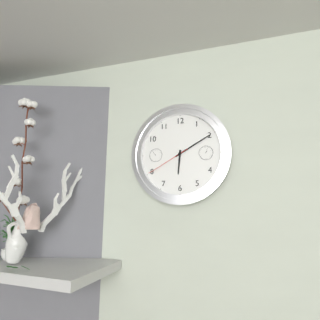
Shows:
6,10
